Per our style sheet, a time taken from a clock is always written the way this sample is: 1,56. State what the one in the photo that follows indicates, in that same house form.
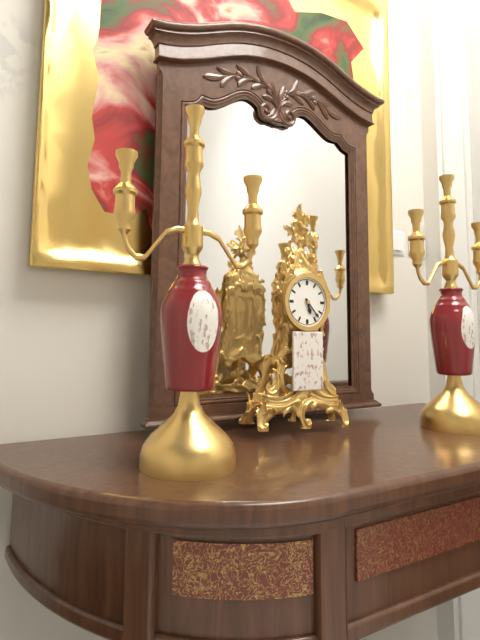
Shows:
5,23
